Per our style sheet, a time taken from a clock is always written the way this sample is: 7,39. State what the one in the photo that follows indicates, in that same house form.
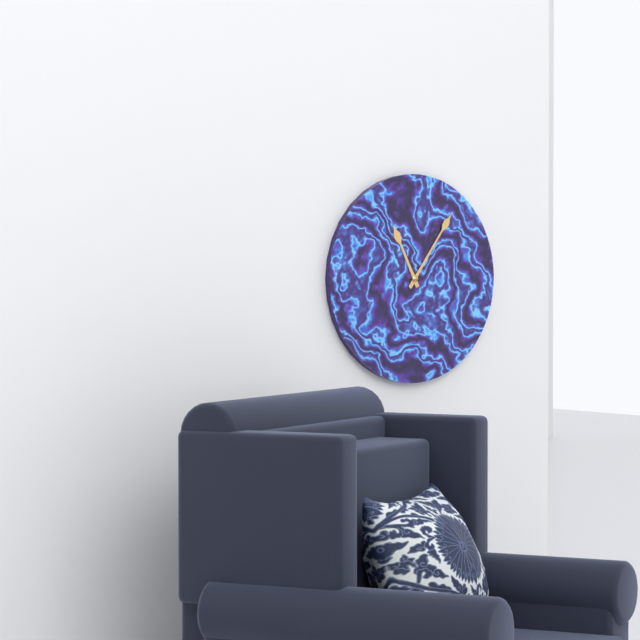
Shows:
11,06
